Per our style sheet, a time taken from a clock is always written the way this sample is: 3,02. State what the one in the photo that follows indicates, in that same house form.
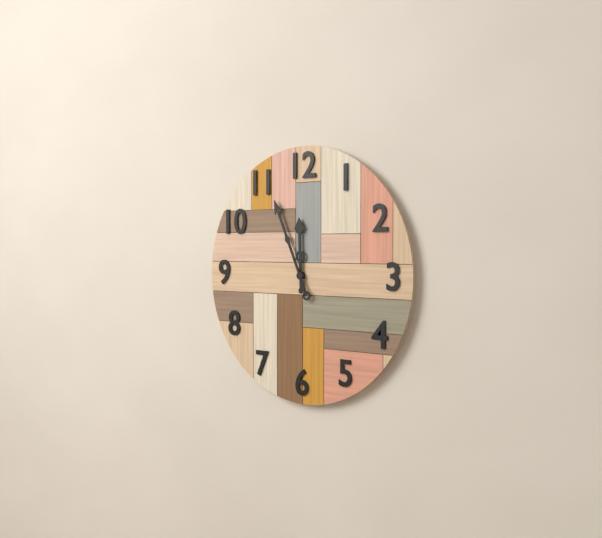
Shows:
11,56
